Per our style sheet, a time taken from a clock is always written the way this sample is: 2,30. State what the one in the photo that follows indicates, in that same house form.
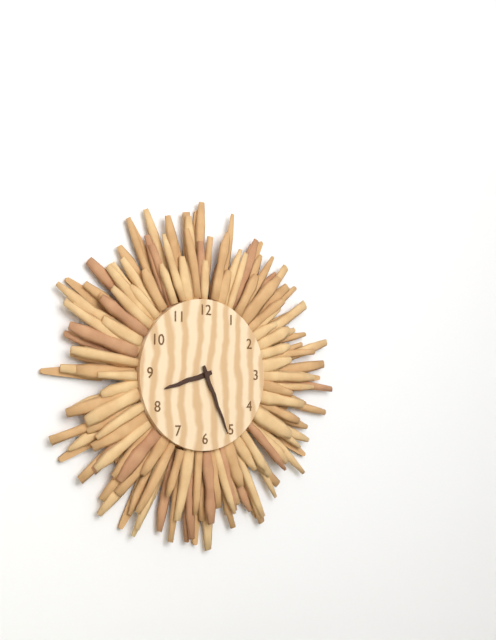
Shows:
8,26
